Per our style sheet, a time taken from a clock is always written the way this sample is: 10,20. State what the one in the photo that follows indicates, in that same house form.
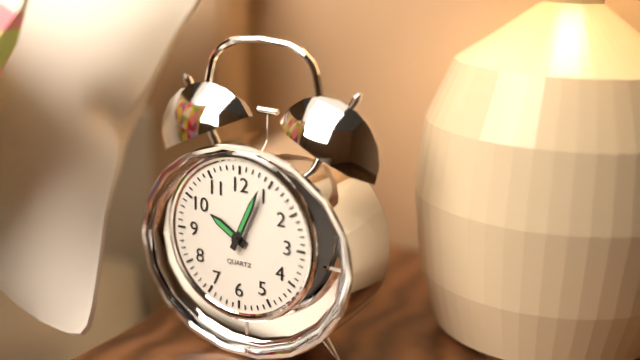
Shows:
10,04
